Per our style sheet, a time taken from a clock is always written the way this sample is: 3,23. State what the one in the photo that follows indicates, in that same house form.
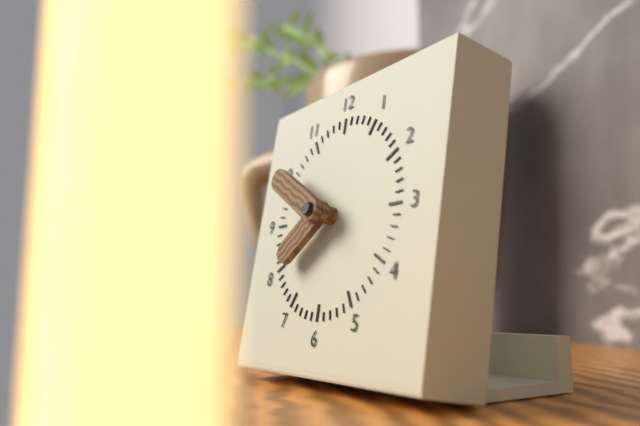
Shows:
7,50
